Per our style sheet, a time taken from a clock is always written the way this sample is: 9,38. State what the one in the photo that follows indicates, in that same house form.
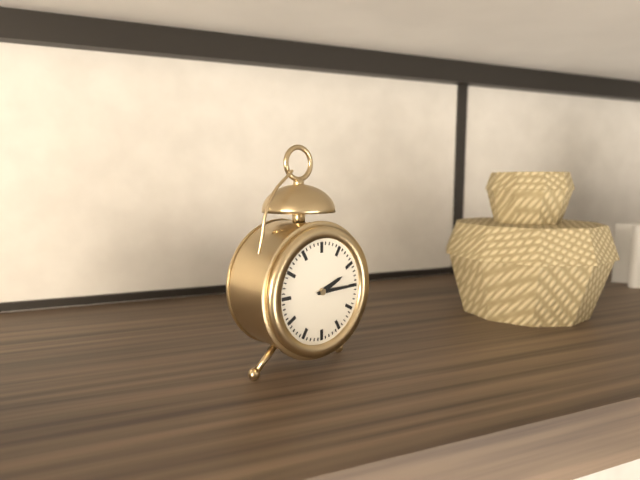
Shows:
2,15
